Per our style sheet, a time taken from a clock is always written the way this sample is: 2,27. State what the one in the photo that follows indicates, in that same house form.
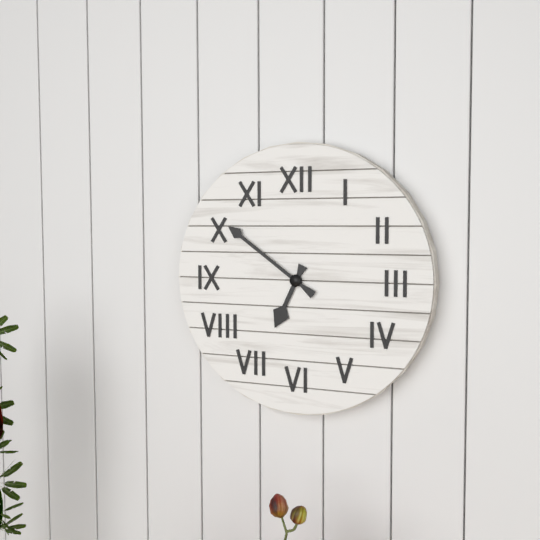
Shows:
6,51
